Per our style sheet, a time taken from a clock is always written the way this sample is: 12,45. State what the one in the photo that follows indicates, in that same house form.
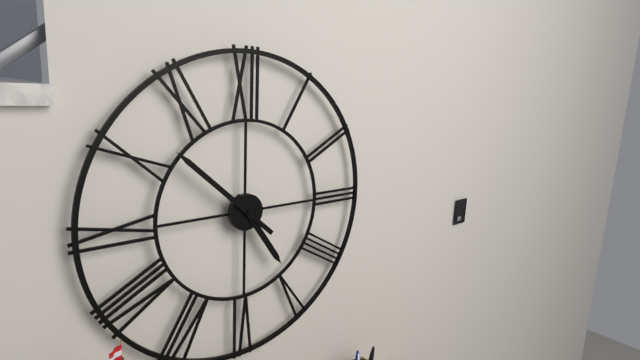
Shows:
4,52
